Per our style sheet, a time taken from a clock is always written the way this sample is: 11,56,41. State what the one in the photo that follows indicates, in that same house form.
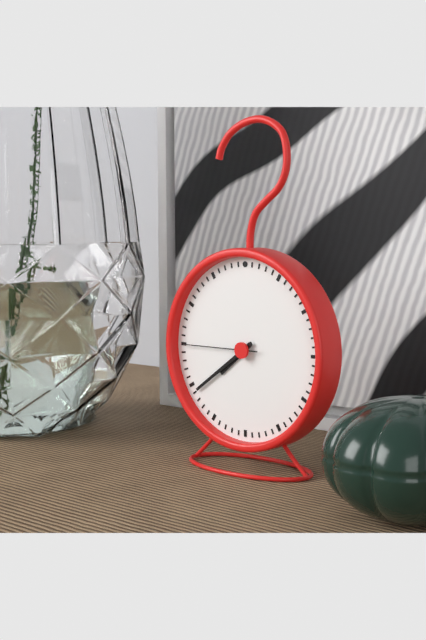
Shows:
7,39,45
